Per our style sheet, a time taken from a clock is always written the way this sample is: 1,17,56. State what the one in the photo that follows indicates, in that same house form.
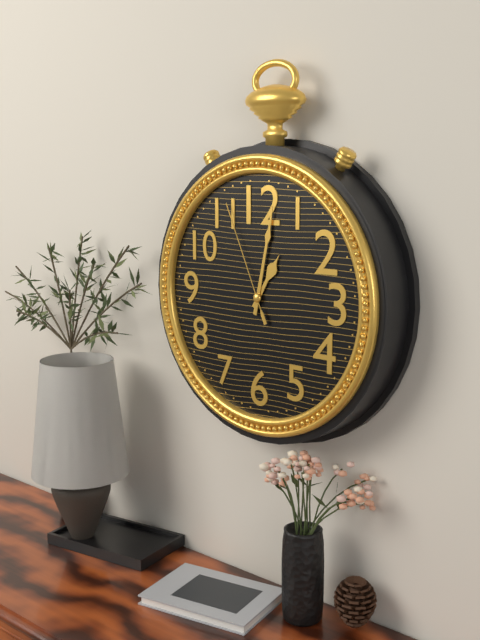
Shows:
1,02,56
